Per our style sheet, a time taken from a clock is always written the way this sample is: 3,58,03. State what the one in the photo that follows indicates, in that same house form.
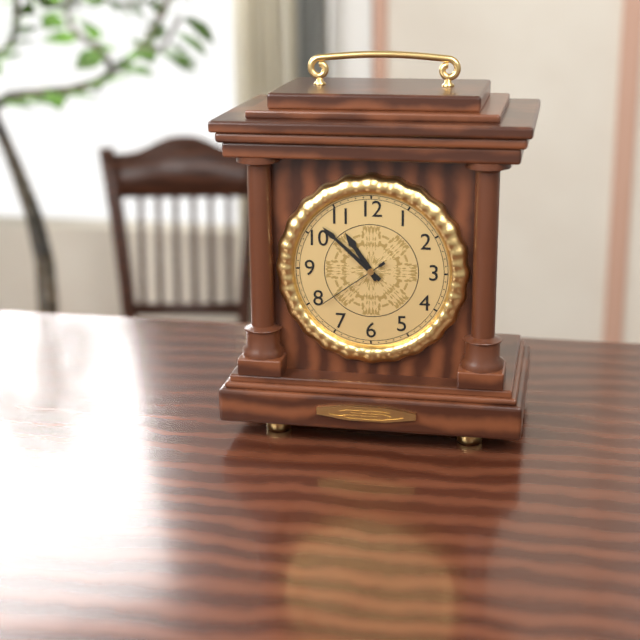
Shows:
10,52,39
